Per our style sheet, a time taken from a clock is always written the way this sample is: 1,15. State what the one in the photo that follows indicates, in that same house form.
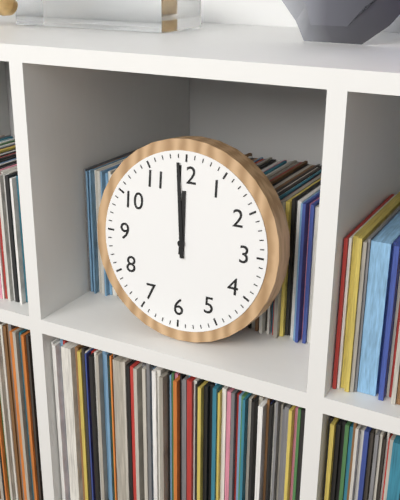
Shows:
11,59
